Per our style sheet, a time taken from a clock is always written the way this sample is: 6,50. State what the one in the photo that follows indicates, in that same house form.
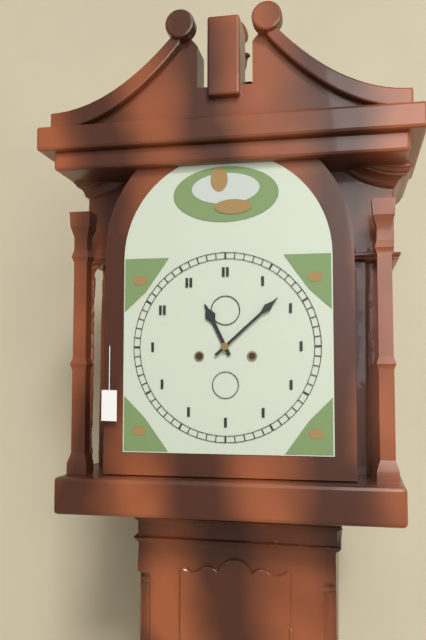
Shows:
11,08
